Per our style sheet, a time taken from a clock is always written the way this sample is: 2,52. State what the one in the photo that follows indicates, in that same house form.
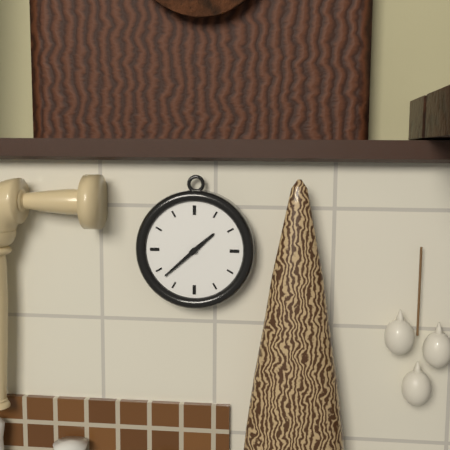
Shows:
1,38
